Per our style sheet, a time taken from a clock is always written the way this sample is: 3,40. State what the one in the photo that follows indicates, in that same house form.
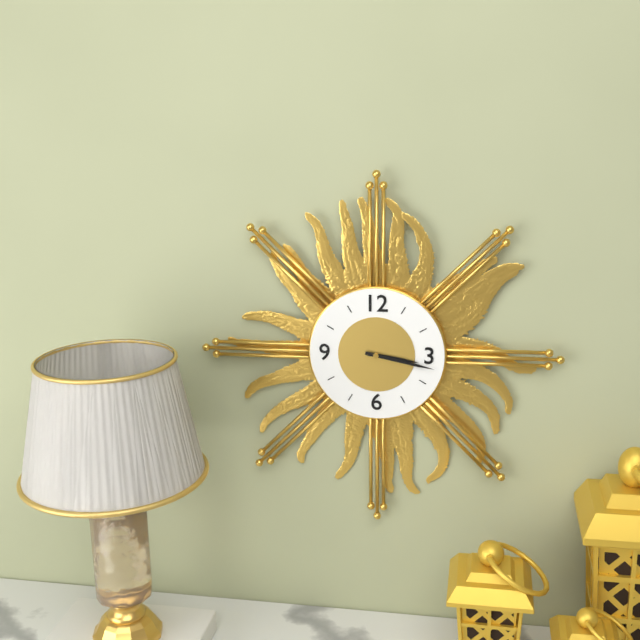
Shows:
3,17
